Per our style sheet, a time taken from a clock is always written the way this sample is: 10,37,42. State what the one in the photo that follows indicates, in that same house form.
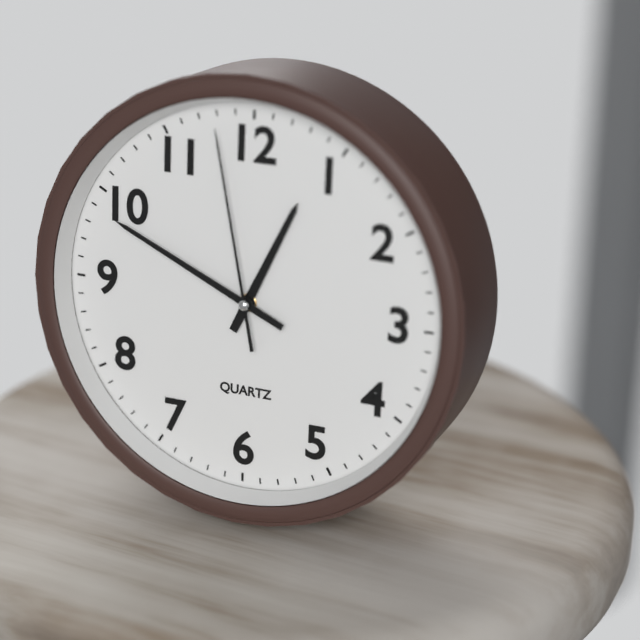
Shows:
12,49,58
